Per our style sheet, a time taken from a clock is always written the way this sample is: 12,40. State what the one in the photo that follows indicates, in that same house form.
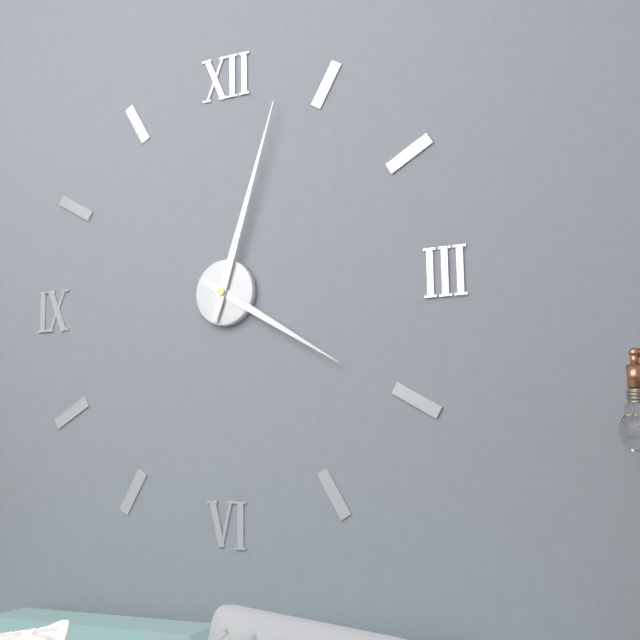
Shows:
4,03
